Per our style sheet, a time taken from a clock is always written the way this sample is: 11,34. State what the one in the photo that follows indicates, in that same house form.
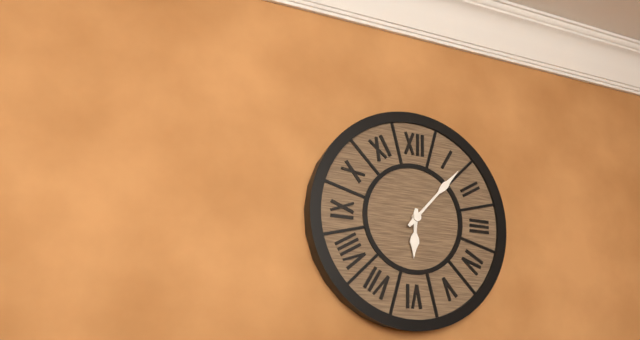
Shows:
6,07
